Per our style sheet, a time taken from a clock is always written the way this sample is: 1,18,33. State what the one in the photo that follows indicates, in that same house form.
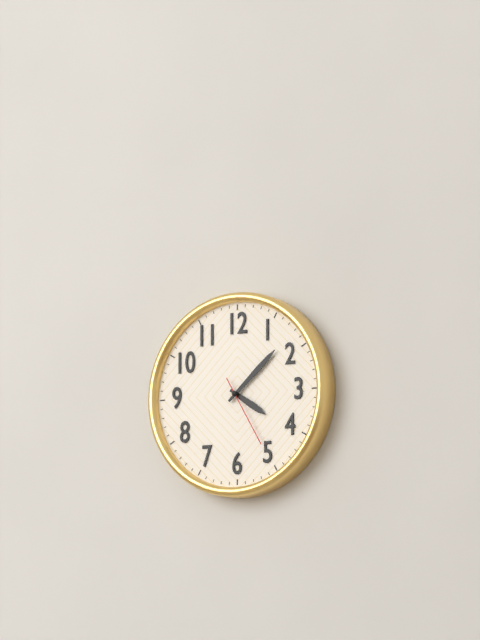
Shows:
4,08,25
